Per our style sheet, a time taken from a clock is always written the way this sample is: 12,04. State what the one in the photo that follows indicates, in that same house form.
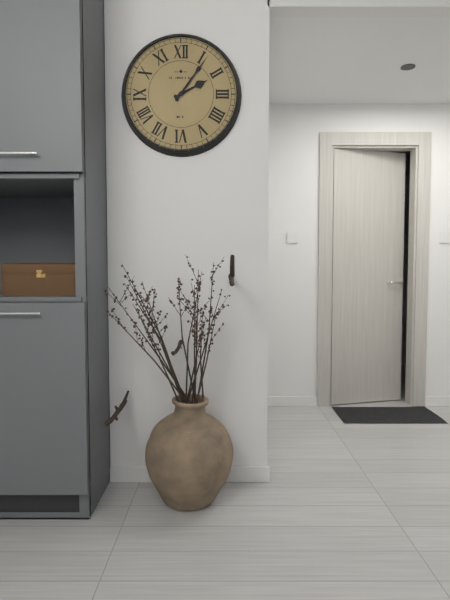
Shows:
2,06
